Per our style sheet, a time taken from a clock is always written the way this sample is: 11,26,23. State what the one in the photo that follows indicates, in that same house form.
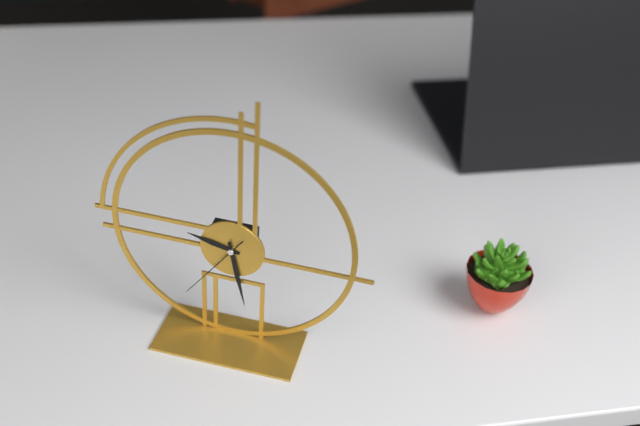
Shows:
9,28,36
